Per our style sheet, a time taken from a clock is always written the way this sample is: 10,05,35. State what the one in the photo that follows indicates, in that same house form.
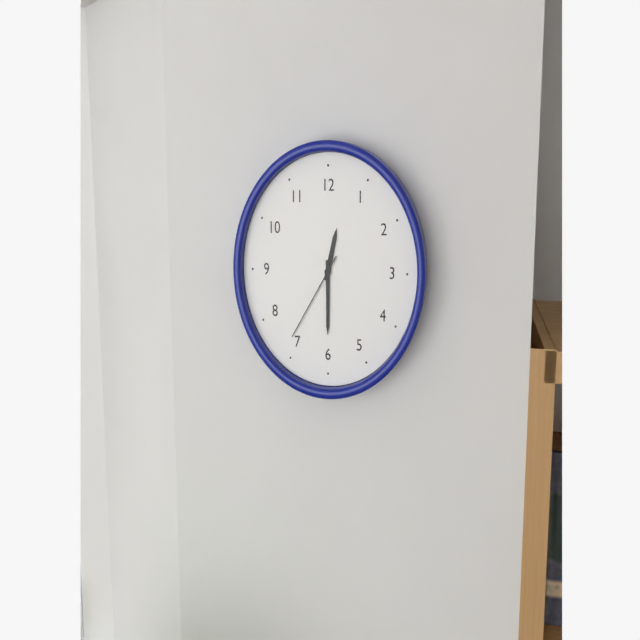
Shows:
12,30,36
